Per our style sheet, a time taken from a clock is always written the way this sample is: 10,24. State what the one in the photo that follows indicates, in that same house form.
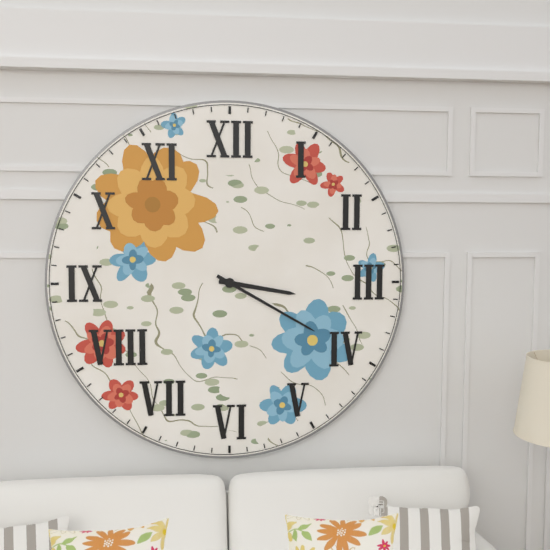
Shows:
3,20
